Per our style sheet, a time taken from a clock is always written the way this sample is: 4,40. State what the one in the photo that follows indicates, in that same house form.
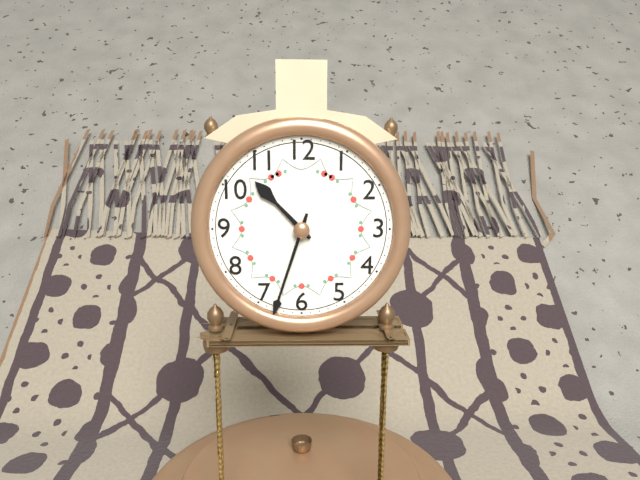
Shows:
10,33
